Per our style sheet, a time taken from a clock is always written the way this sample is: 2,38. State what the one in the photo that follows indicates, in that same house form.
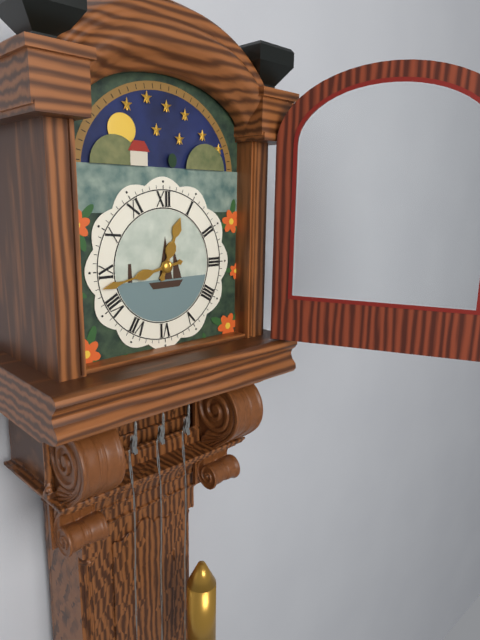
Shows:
12,43
